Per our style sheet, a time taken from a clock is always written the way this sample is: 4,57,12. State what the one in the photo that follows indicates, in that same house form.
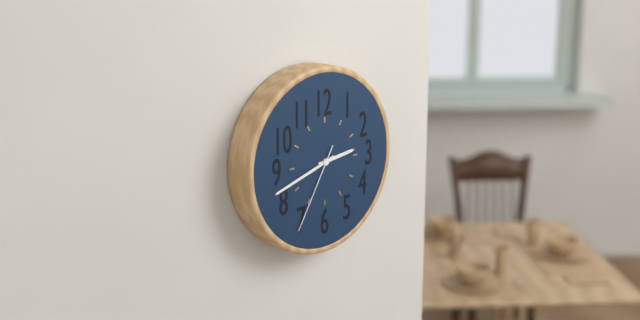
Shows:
2,42,35
